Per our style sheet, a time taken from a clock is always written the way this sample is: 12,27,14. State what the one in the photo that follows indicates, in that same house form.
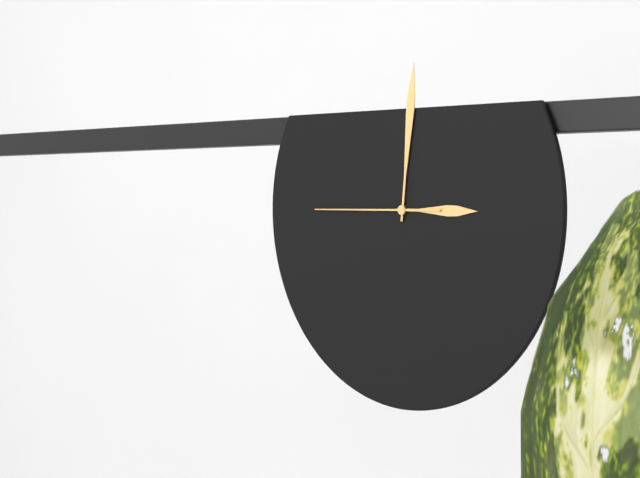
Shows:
3,01,45
